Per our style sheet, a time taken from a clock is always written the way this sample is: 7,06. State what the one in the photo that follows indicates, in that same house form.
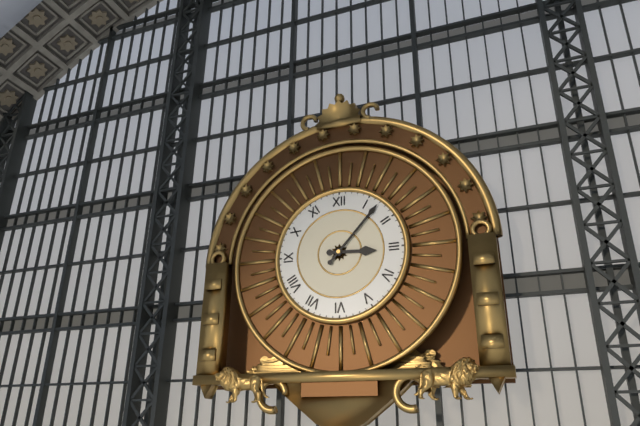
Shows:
3,07
